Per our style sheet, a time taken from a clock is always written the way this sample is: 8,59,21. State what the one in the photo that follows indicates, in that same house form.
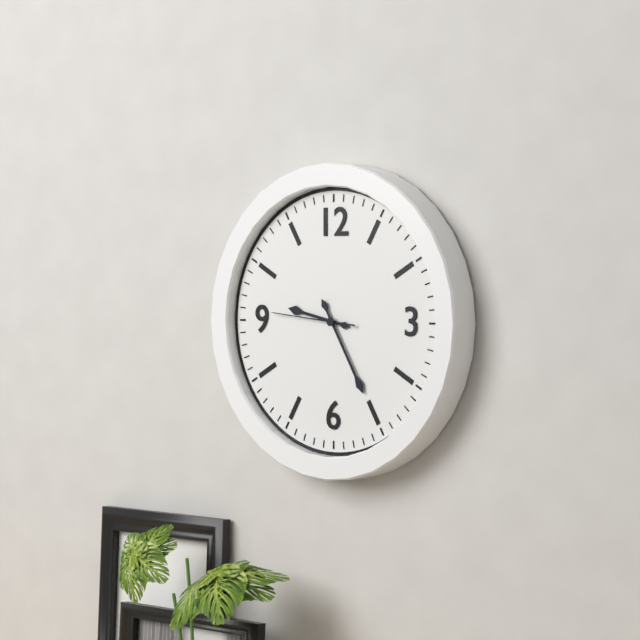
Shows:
9,25,46
